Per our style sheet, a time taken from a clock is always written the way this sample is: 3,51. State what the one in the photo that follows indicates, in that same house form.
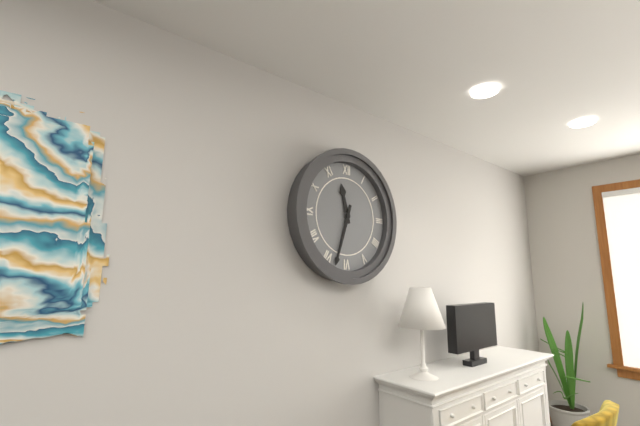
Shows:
11,33
